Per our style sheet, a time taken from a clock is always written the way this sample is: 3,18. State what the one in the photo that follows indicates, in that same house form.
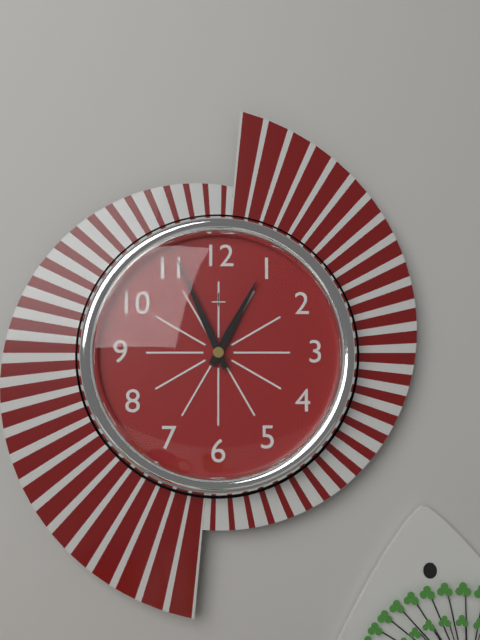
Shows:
12,56
